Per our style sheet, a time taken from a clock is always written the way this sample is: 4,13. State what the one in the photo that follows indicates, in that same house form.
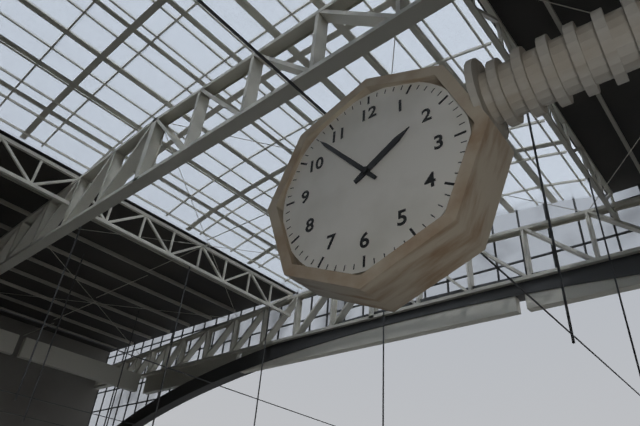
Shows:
1,53
